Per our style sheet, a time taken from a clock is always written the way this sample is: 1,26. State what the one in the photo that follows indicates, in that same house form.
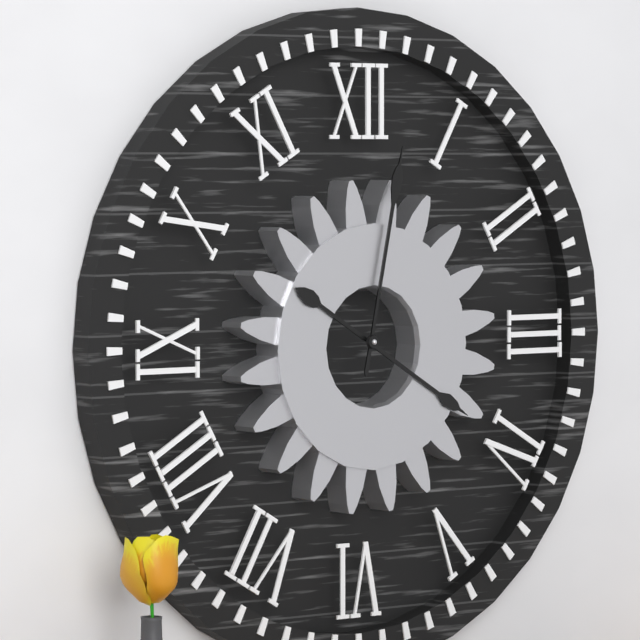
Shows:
4,02
